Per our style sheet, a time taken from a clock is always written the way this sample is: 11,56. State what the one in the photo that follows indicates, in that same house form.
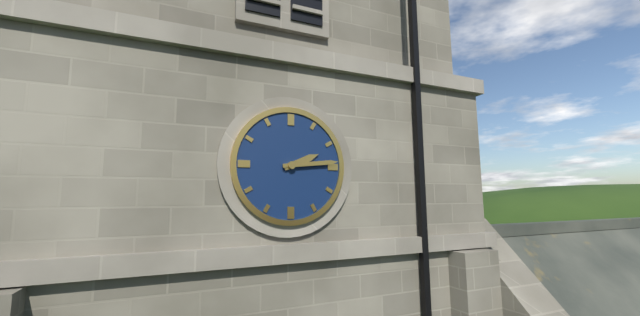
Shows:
2,14
